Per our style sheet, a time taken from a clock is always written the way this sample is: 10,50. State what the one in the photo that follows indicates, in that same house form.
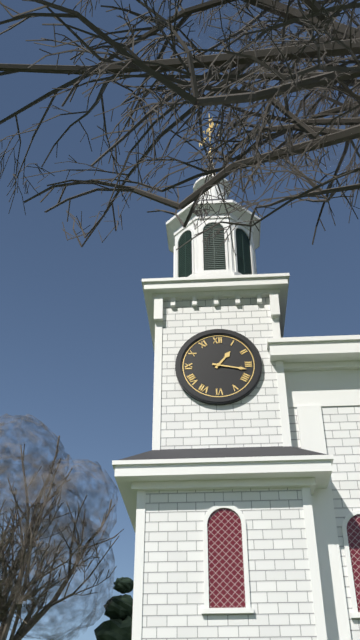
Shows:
1,17
